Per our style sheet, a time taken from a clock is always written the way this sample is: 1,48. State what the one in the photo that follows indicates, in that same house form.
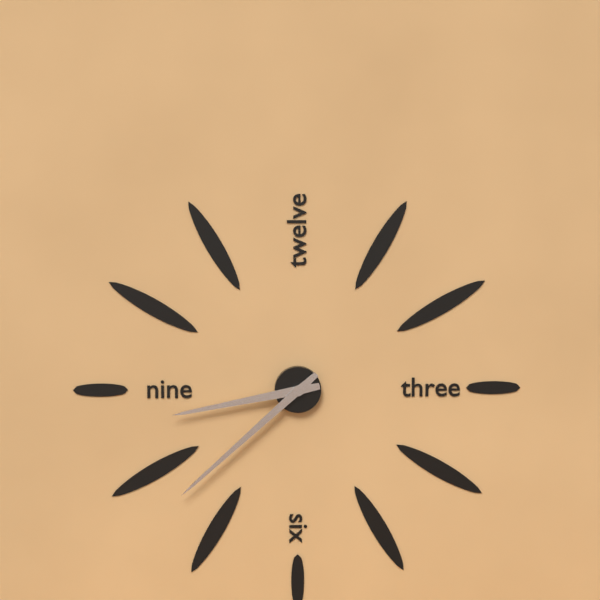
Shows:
8,38
